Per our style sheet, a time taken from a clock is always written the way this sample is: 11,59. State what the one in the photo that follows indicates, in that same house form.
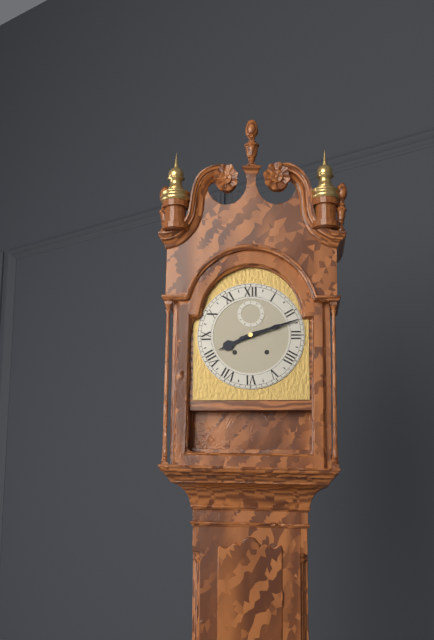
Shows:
8,12
